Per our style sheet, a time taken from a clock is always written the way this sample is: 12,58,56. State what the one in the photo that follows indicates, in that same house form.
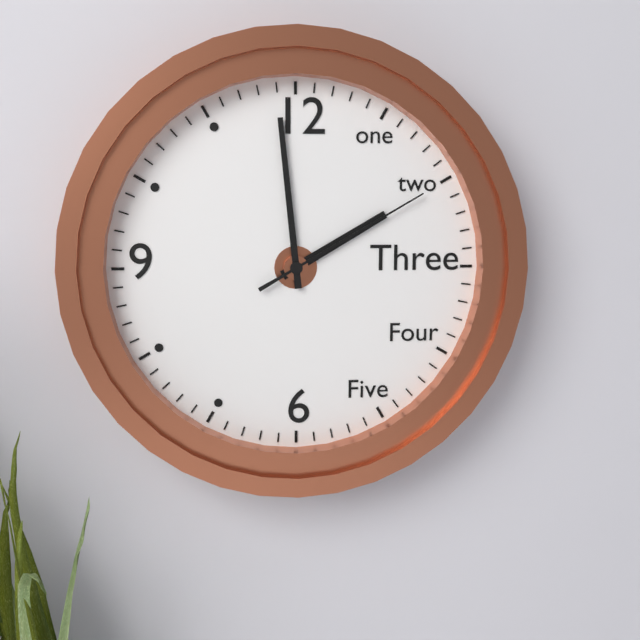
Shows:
1,59,10
